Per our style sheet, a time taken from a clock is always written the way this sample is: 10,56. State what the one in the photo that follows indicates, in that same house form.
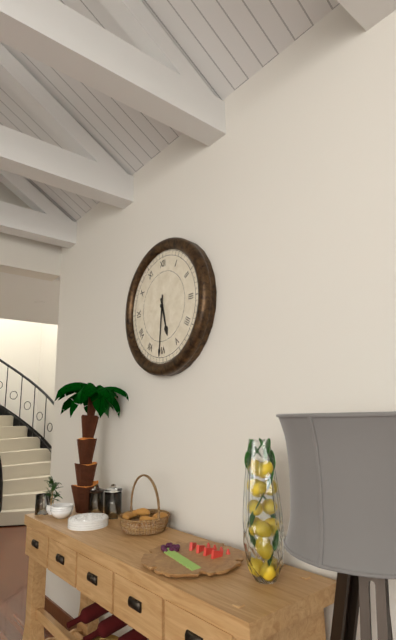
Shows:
5,31
